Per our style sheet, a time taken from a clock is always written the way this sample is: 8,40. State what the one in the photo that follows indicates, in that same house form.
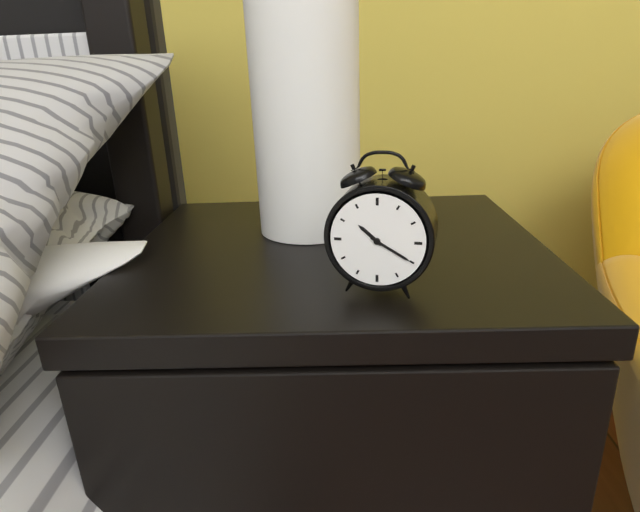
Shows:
10,20
